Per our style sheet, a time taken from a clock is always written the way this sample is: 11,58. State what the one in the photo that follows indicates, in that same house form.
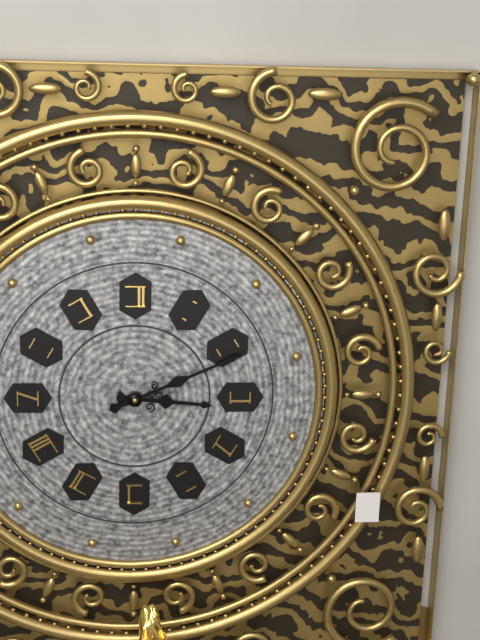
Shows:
3,11
